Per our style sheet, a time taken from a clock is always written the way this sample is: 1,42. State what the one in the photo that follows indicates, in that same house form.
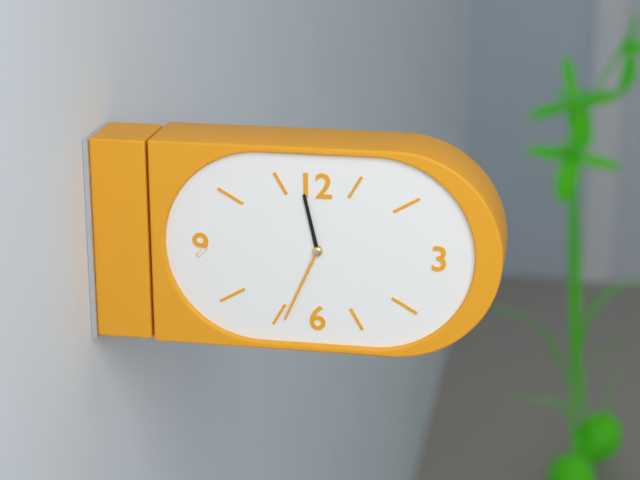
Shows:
11,34
